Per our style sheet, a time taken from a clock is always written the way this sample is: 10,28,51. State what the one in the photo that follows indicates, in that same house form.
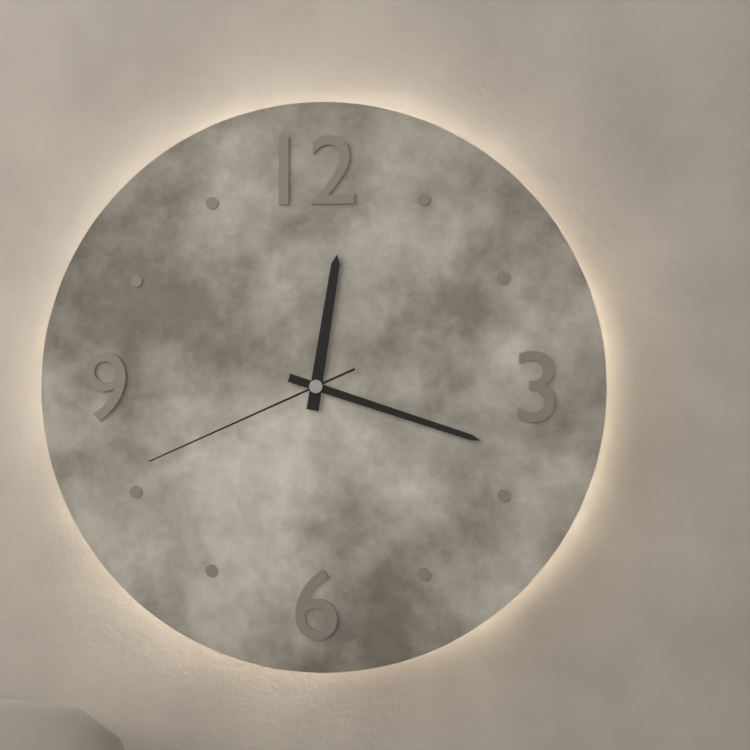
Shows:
12,18,41
